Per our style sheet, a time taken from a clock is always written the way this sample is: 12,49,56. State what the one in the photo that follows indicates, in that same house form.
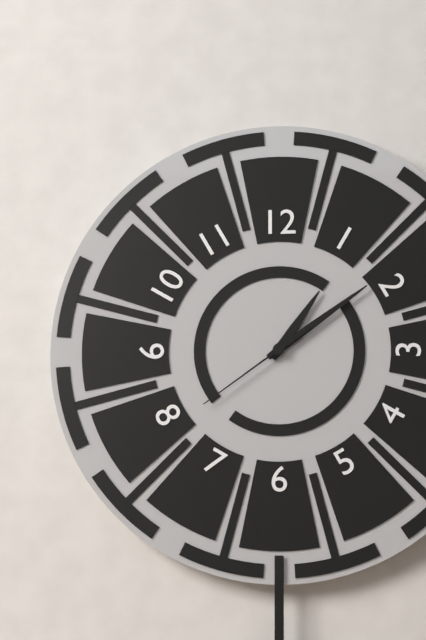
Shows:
1,09,39
